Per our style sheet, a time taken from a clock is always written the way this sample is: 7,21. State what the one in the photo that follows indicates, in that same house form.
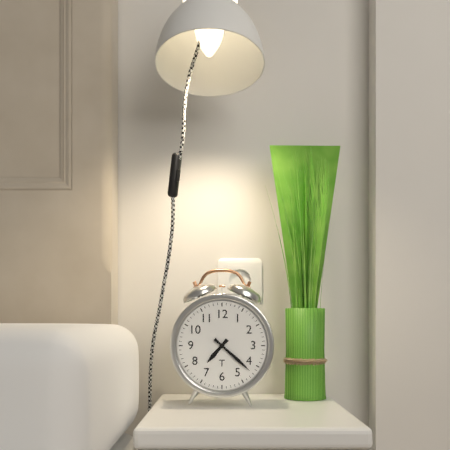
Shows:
7,22
